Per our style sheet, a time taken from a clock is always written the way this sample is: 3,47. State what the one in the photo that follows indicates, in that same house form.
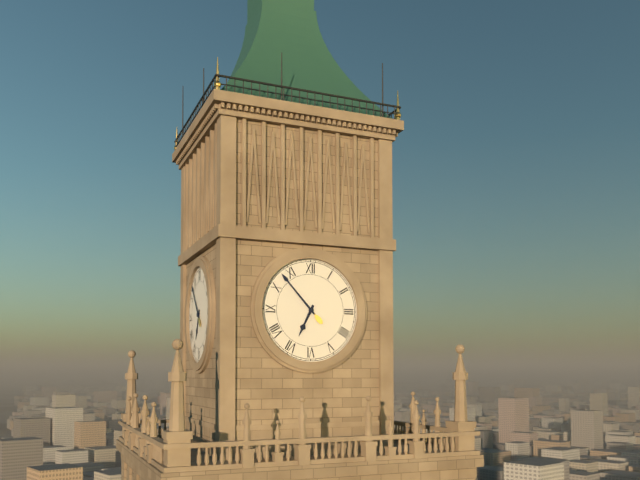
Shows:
6,53
